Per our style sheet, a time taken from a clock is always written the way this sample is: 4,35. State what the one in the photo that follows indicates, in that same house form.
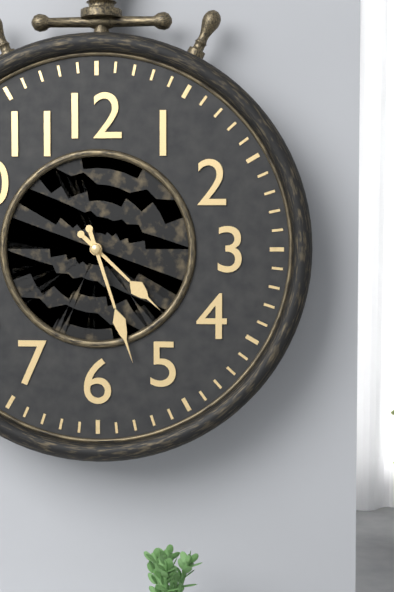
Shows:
4,27
